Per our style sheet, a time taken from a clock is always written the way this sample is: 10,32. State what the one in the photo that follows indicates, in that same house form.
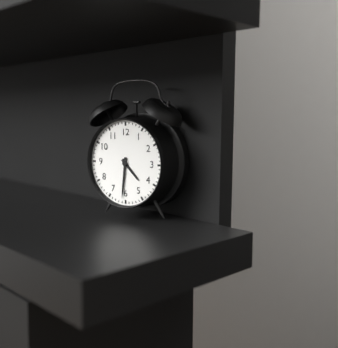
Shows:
4,31
